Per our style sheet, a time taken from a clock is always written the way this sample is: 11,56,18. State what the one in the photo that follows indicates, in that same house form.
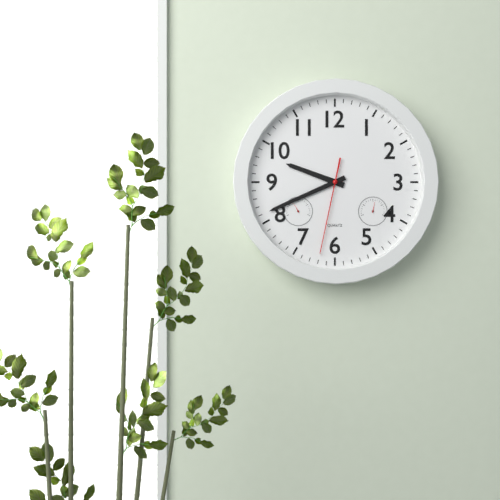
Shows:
9,41,32
